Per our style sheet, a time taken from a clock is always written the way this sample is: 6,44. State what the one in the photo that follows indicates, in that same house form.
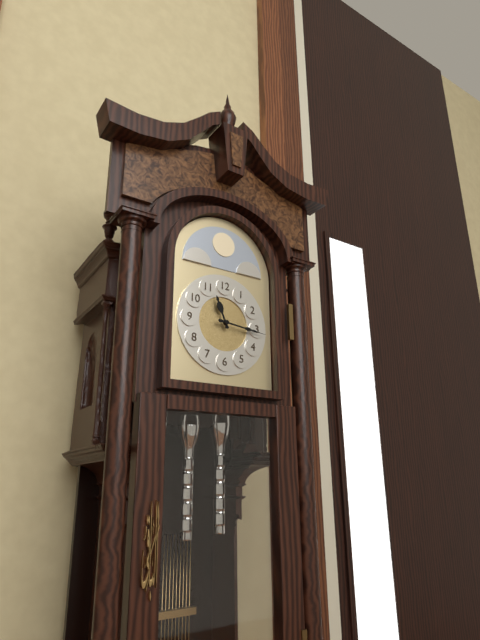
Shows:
11,16
